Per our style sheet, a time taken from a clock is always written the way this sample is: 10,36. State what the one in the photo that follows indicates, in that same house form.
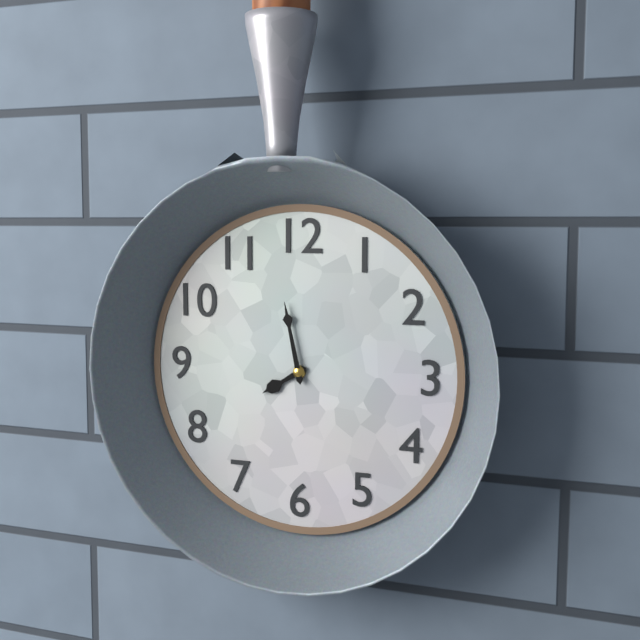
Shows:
7,58
